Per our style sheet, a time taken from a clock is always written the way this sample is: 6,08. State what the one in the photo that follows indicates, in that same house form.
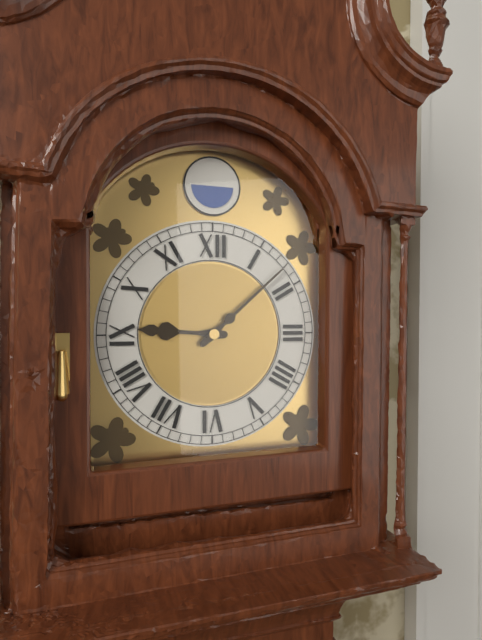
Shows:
9,08
